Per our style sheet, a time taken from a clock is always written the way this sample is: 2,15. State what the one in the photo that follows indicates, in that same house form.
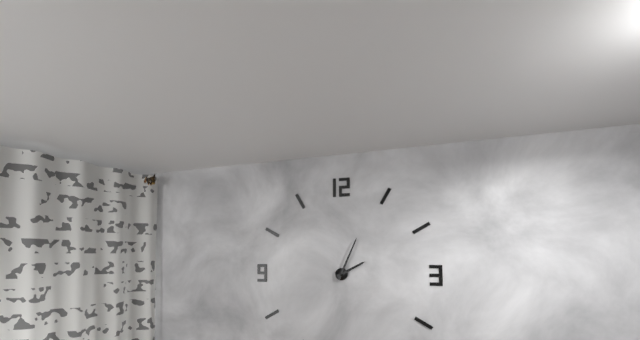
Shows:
2,04
